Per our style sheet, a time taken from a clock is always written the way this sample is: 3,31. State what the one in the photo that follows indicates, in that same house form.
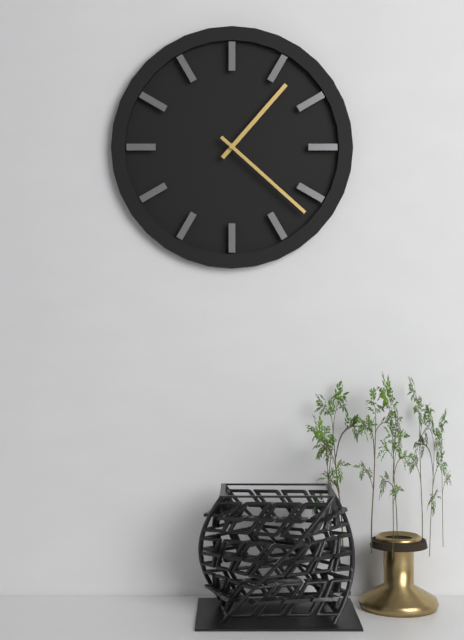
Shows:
1,22
